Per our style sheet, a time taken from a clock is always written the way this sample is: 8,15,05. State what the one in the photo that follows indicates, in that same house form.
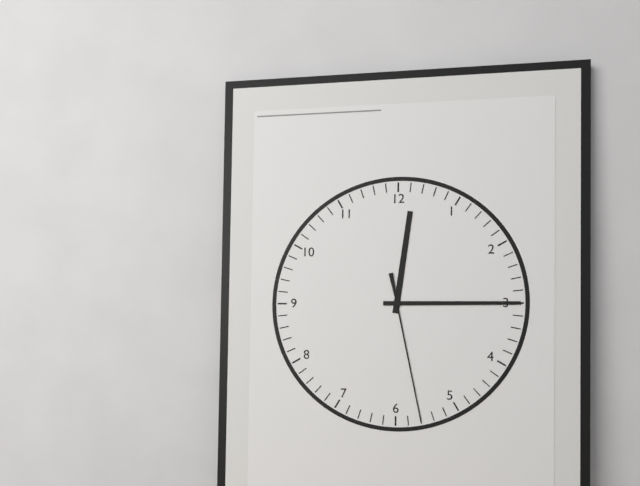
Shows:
12,15,28
